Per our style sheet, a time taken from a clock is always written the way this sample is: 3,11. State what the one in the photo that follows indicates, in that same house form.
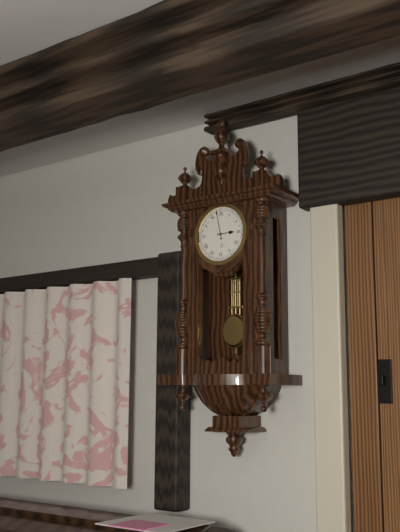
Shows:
2,58
